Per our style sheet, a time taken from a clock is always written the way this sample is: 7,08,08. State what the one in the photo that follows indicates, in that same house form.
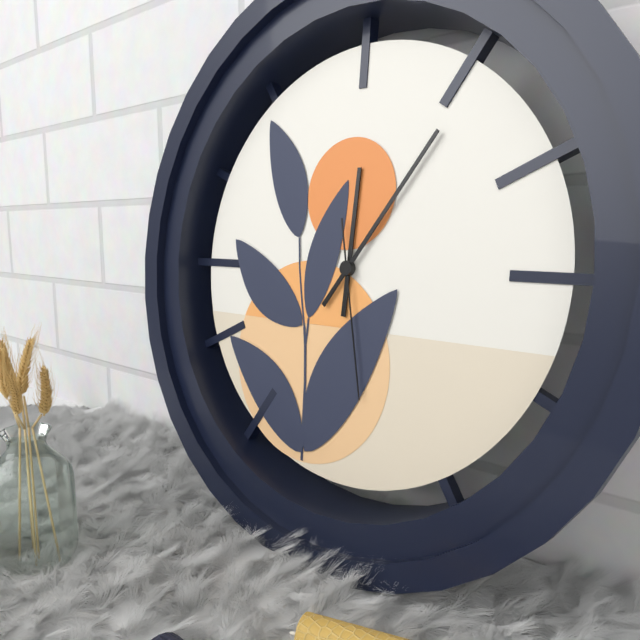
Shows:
12,06,28
